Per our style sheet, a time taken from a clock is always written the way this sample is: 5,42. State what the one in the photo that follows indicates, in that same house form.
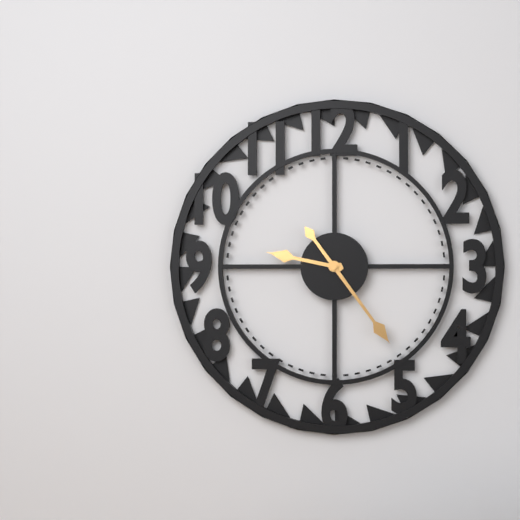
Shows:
9,24
